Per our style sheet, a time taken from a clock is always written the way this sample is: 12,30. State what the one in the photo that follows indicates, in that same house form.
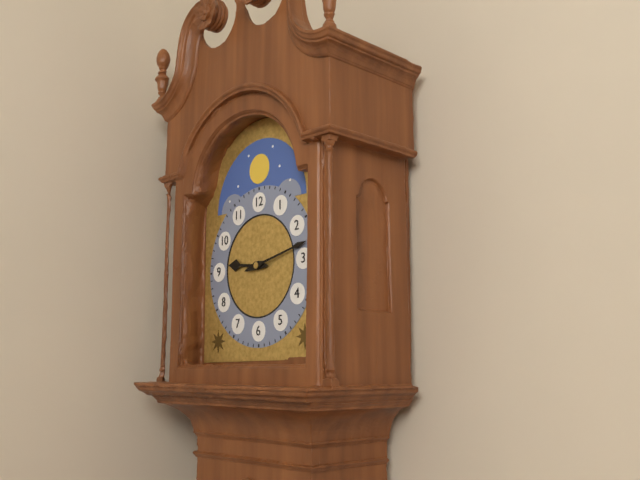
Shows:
9,13
